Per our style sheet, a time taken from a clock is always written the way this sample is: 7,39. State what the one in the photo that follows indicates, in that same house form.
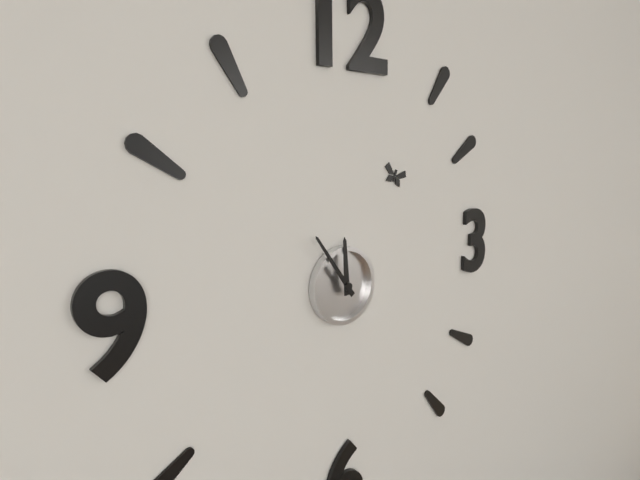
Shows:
11,54
